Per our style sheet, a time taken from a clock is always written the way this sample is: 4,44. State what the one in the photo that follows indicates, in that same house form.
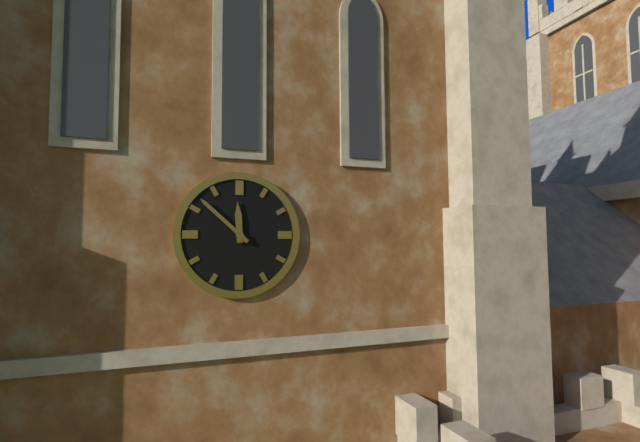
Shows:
11,52
